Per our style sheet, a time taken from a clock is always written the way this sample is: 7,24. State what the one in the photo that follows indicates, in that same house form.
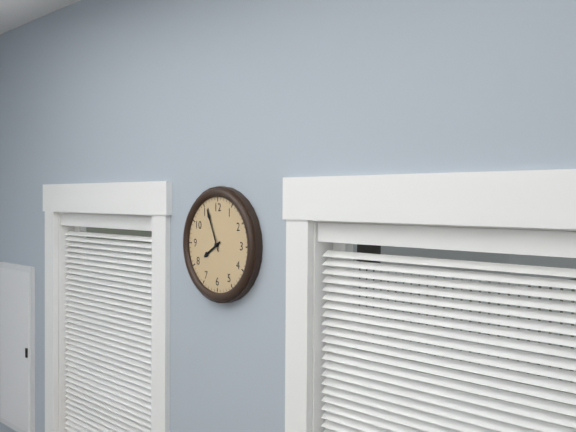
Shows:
7,56
